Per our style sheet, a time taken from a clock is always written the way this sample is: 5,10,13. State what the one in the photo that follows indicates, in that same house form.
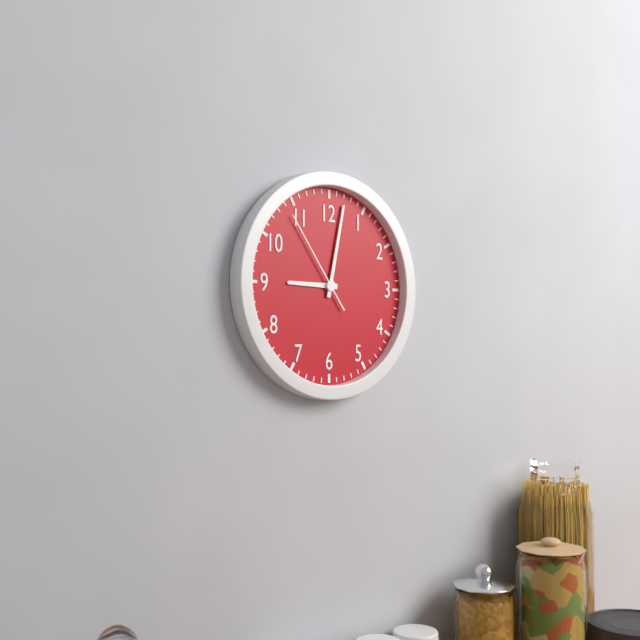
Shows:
9,02,54
